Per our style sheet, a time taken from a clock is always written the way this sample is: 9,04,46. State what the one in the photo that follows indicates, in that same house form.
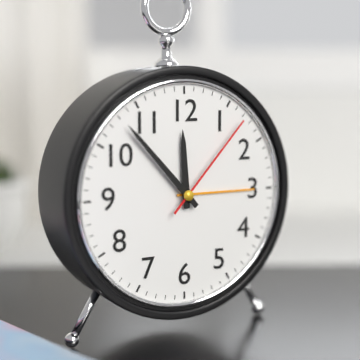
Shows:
11,53,07
